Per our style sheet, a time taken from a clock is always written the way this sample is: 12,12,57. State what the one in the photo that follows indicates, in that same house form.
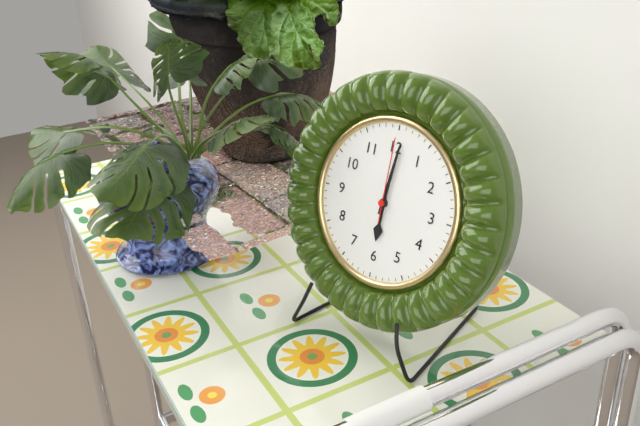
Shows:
6,01,00
